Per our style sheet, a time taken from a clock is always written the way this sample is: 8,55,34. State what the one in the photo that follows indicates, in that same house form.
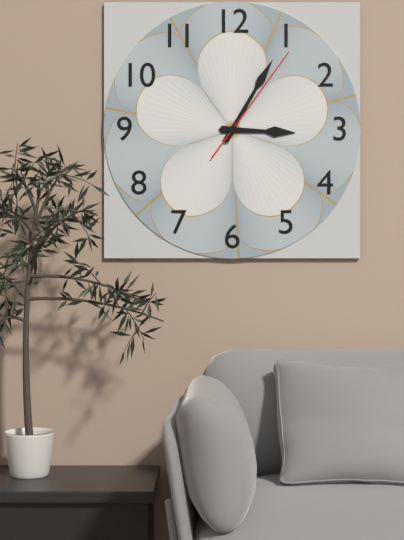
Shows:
3,05,06
